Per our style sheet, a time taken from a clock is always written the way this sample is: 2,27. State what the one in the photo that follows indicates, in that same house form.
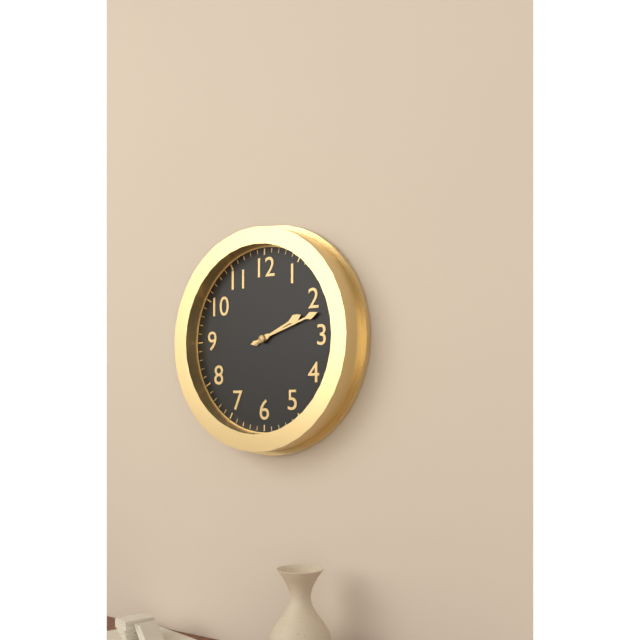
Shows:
2,12
